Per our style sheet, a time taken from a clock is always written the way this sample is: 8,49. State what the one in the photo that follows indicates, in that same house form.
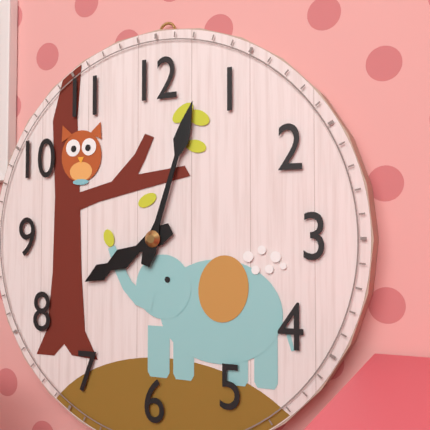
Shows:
8,03
